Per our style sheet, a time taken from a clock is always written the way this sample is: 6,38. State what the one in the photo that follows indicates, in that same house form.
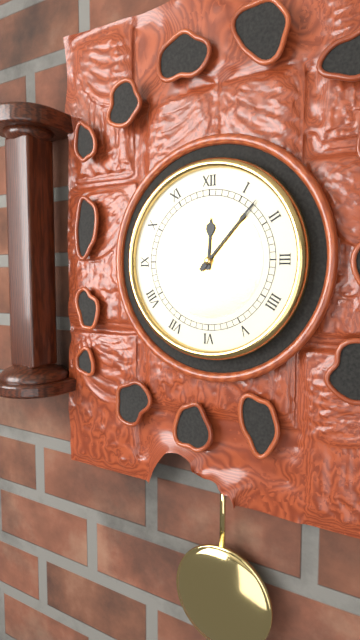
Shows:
12,07
